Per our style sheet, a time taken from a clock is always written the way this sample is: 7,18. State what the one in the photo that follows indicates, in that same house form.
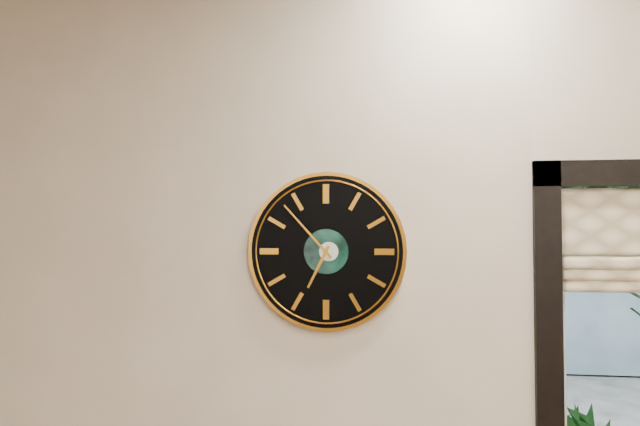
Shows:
6,53
